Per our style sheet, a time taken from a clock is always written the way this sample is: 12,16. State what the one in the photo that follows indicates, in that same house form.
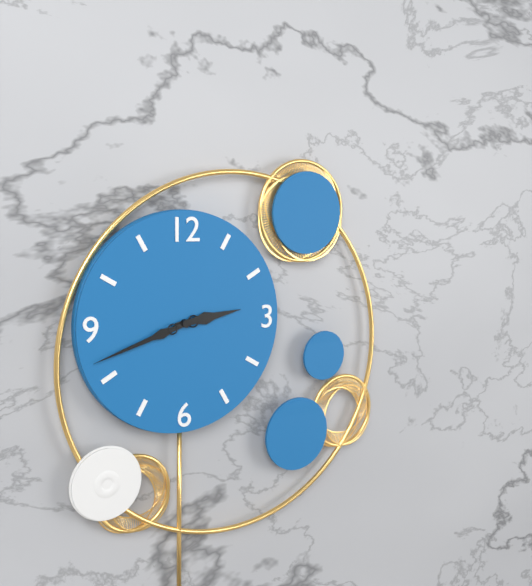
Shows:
2,42
